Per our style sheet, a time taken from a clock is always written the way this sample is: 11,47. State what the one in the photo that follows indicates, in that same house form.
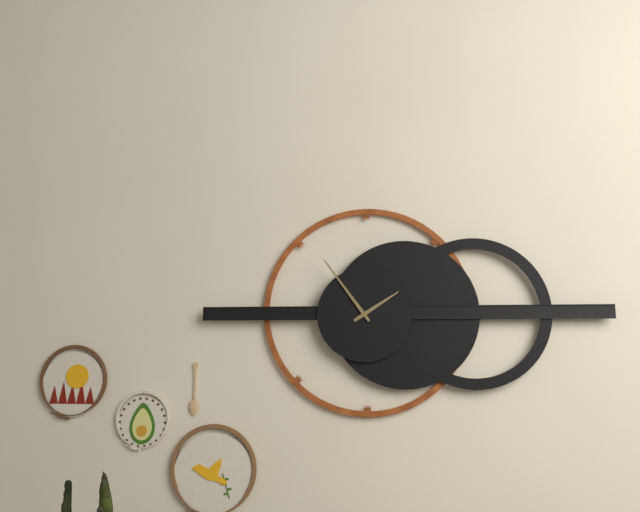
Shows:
1,54
